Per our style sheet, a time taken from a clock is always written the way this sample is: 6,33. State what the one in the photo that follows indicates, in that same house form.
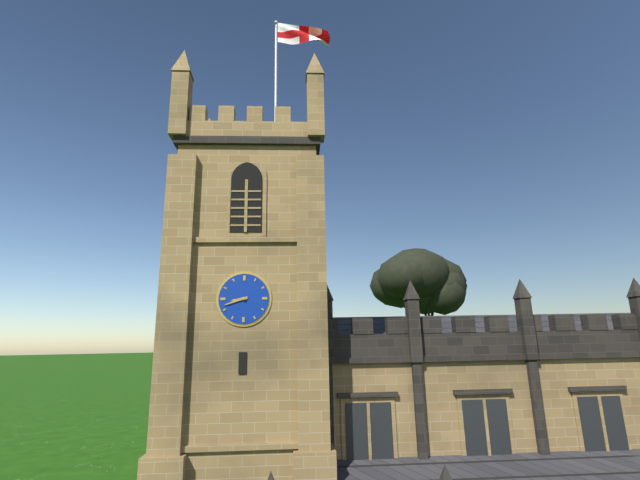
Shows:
8,42
